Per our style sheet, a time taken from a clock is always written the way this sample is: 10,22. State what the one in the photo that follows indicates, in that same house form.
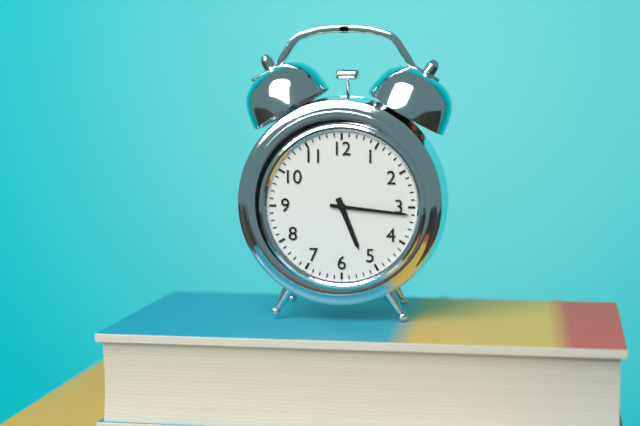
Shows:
5,16
